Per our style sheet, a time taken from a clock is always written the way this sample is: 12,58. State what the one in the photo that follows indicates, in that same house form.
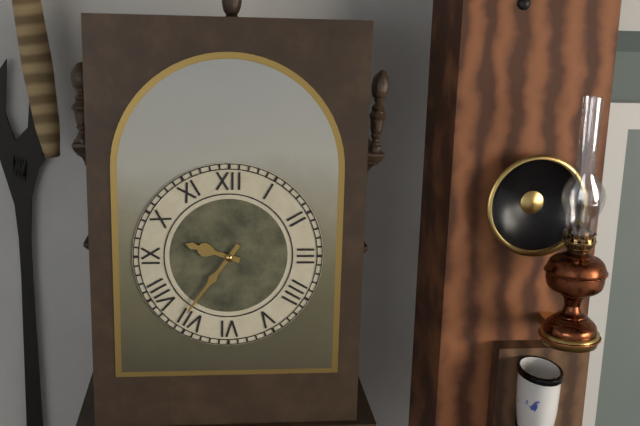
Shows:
9,36
